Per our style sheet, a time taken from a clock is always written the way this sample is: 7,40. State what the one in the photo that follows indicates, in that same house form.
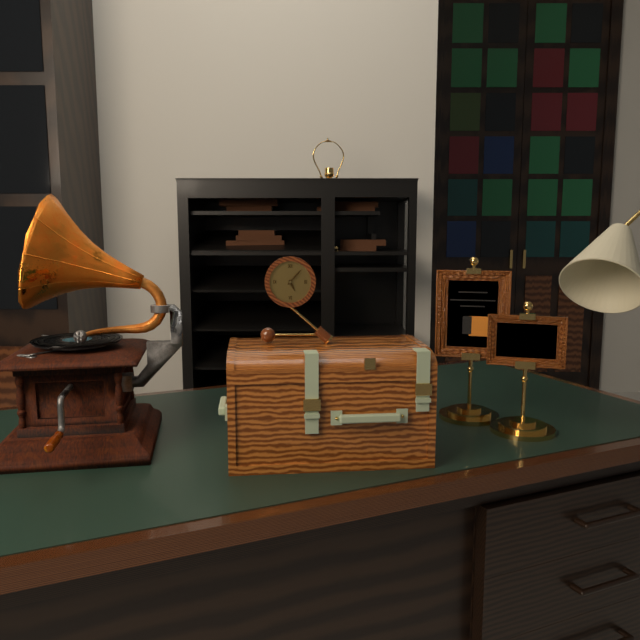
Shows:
5,07
